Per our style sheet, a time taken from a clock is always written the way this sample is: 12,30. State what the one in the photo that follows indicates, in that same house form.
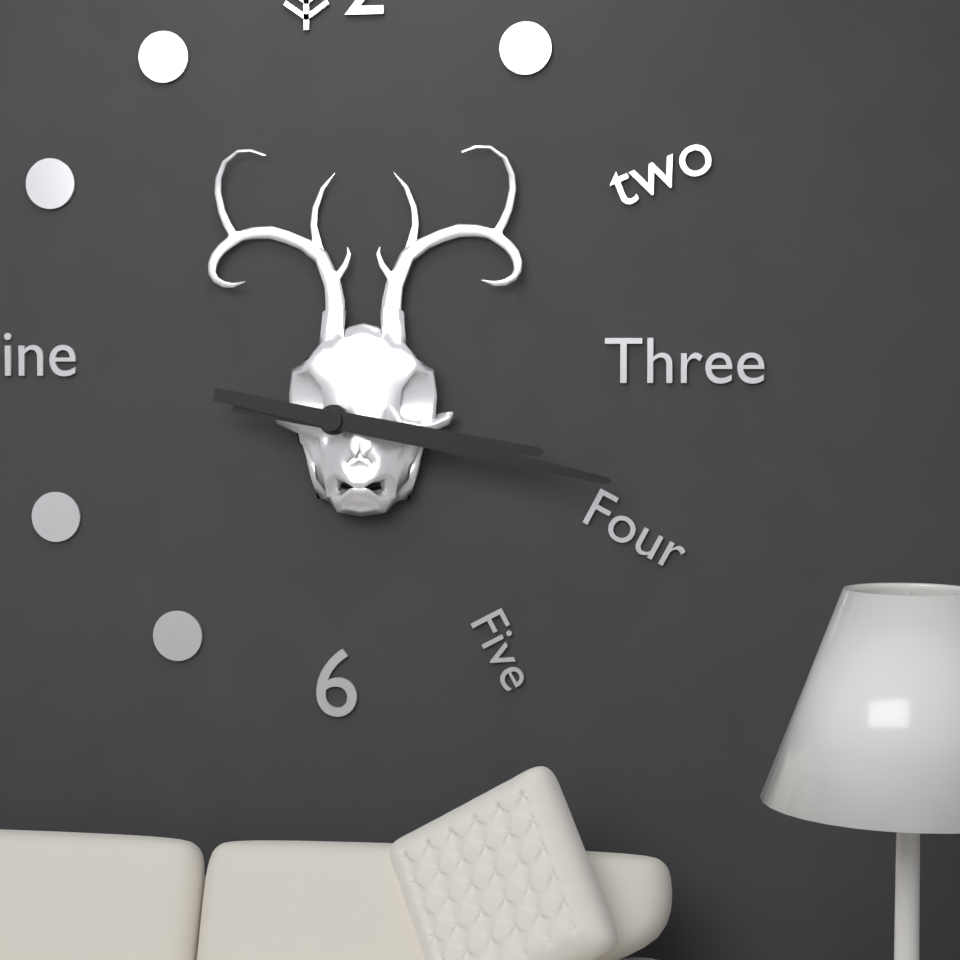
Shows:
3,17
